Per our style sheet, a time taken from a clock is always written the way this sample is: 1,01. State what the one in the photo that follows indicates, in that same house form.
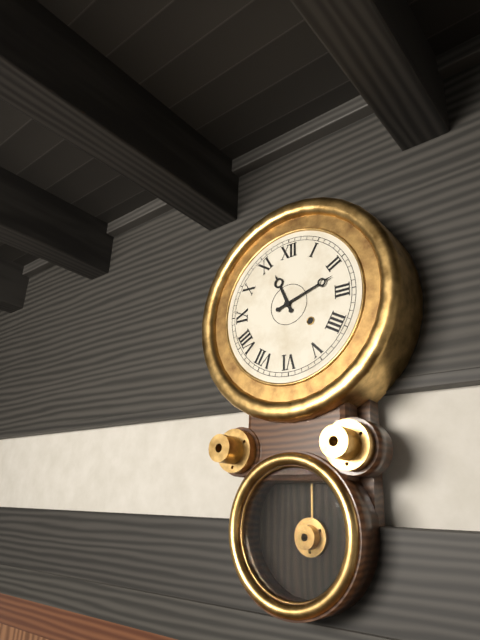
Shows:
11,12
